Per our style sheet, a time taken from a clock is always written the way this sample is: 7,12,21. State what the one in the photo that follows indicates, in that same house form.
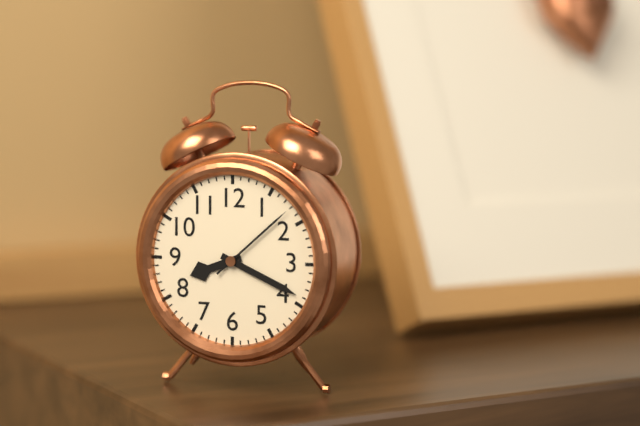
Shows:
8,19,08
